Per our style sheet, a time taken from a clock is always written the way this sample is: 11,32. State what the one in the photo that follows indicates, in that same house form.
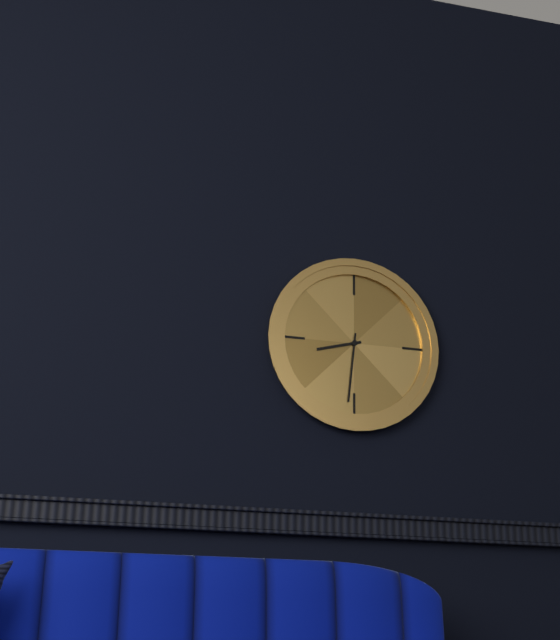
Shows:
8,31
